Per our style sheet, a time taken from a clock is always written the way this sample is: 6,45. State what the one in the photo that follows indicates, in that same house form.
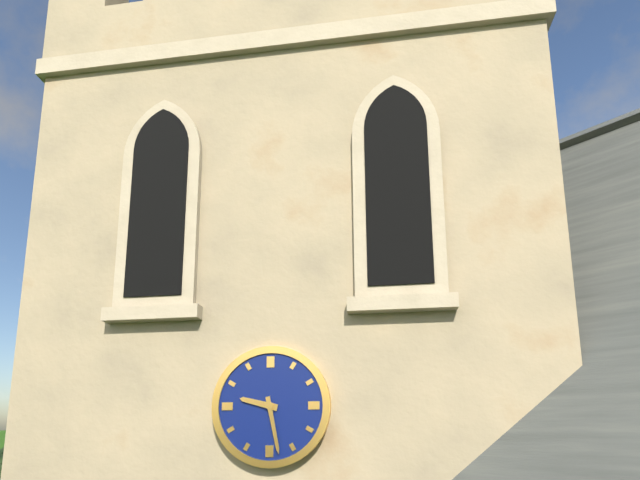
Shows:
9,28
